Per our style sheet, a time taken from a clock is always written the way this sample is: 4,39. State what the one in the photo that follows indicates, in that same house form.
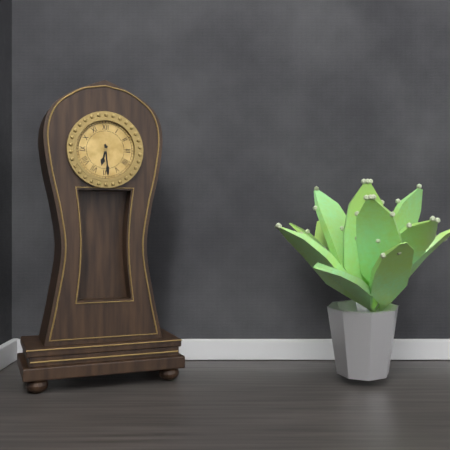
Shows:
6,29
